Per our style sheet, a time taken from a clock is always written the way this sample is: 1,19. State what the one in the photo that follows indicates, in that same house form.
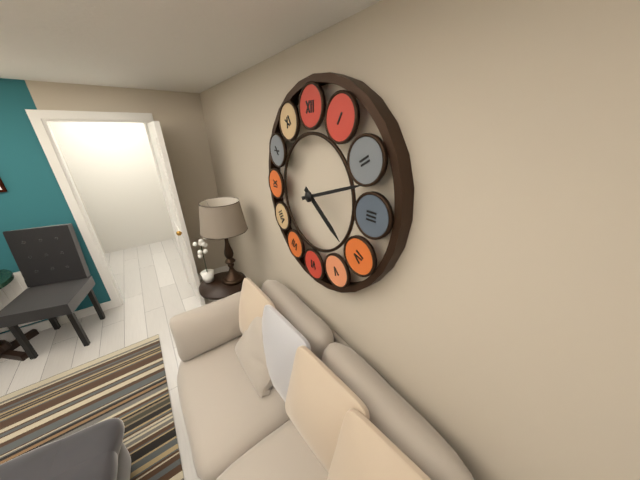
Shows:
4,12
